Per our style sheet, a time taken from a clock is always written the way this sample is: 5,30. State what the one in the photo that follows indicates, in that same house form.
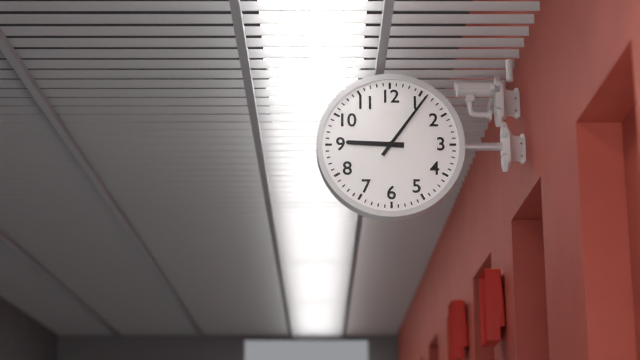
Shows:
9,06
